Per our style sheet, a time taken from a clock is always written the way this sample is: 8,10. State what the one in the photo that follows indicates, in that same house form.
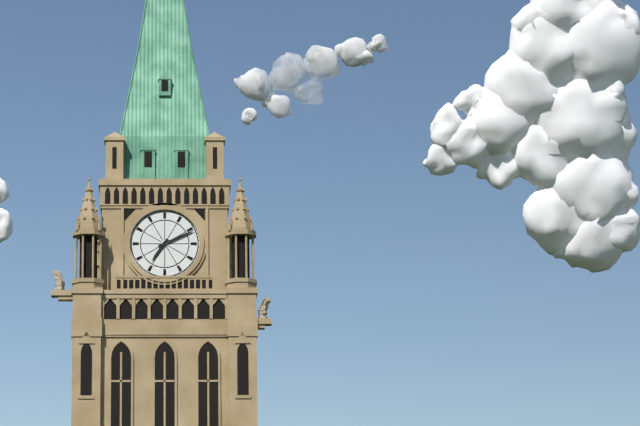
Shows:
7,11
